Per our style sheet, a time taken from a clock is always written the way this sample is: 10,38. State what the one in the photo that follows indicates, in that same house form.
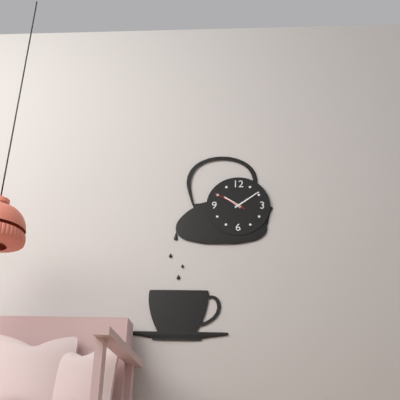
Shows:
10,09
